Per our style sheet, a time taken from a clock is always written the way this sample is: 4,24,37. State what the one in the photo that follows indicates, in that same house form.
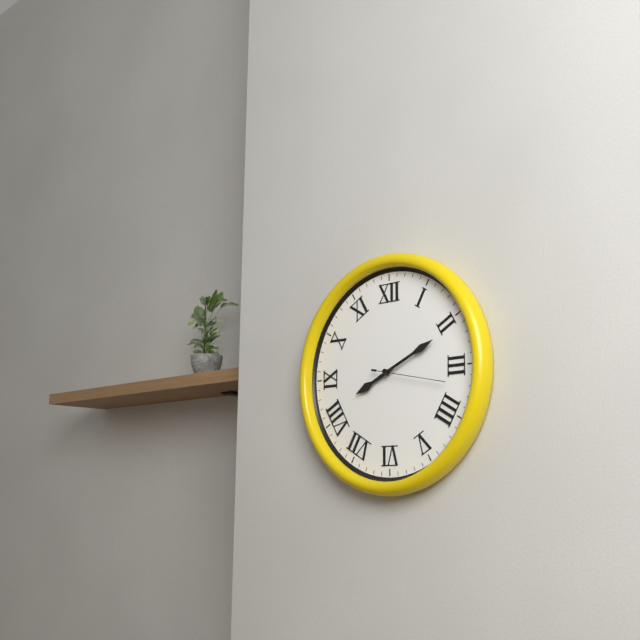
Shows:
8,11,17
